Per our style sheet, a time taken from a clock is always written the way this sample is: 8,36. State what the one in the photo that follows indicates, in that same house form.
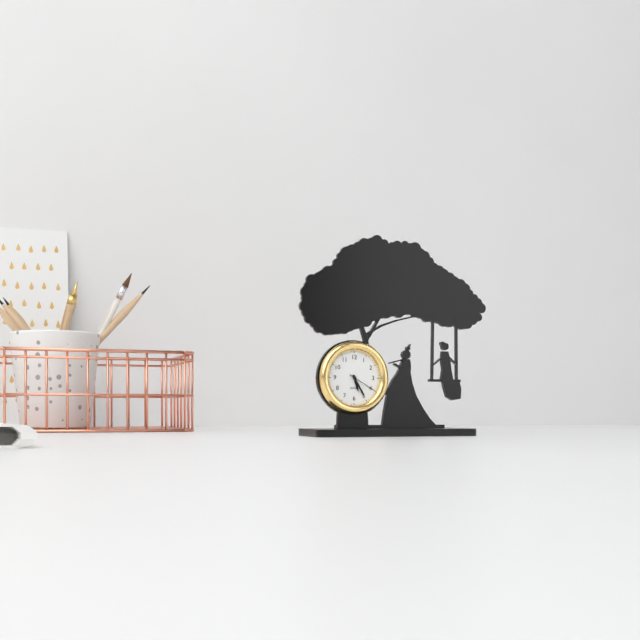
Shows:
5,25
